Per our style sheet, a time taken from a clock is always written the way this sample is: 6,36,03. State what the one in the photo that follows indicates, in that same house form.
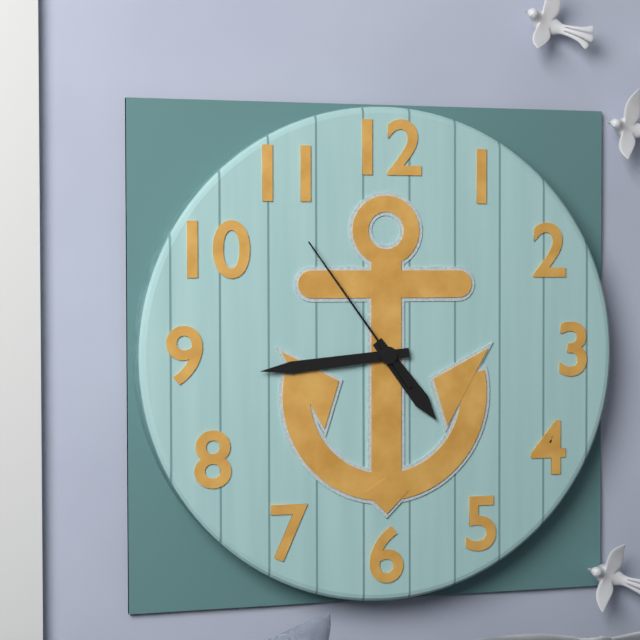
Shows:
4,44,54
